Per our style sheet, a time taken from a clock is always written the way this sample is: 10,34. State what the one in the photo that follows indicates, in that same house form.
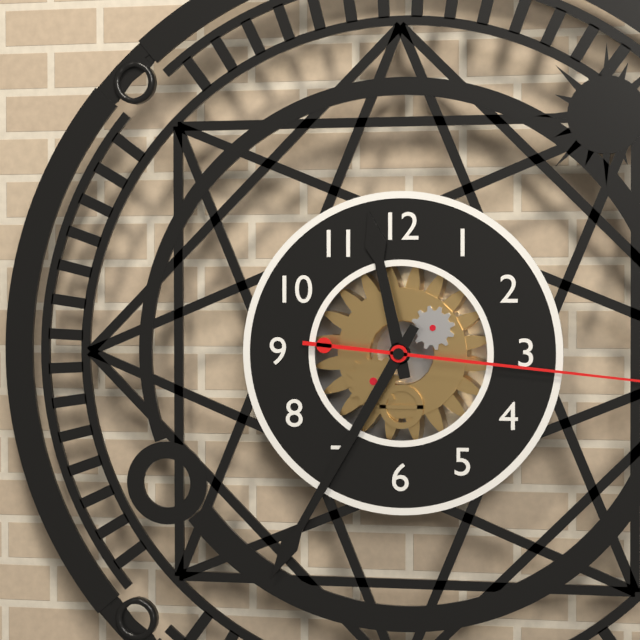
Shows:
11,35
